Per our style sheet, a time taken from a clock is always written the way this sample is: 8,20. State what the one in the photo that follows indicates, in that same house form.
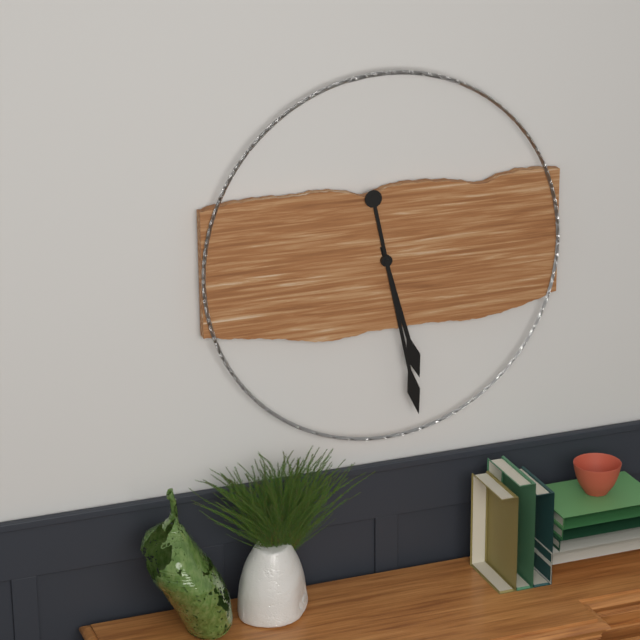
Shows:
5,28
